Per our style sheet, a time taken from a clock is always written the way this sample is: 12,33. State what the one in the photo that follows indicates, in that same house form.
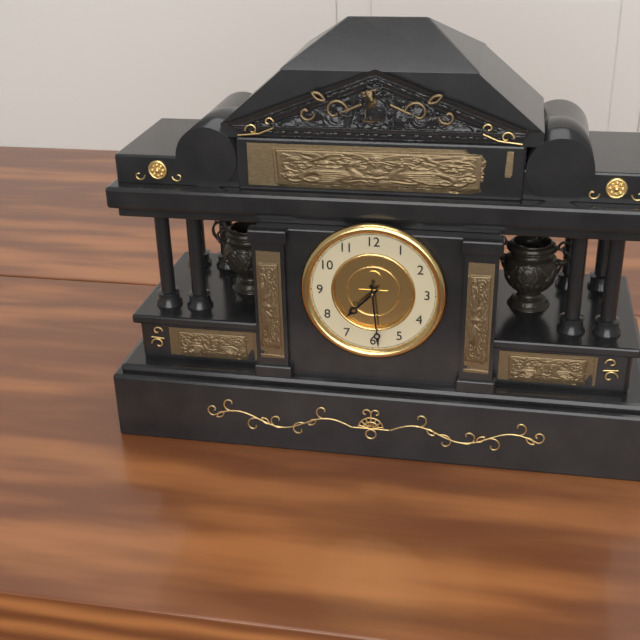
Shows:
7,29
